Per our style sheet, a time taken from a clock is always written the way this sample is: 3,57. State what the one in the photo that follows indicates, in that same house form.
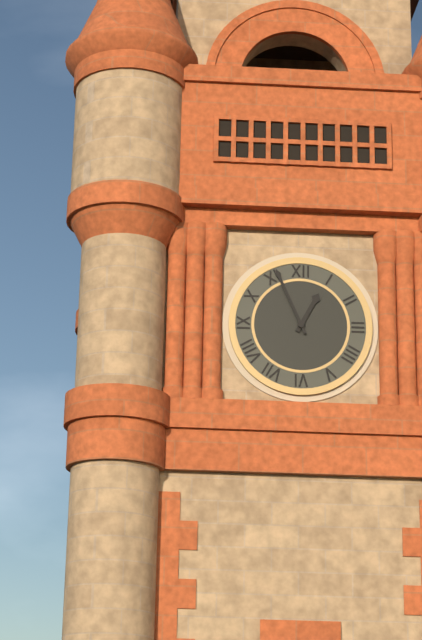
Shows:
12,56
